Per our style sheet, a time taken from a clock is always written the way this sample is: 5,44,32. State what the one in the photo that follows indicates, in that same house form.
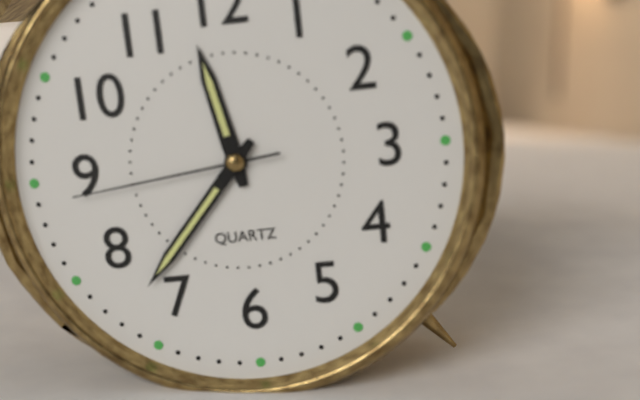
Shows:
11,37,44
